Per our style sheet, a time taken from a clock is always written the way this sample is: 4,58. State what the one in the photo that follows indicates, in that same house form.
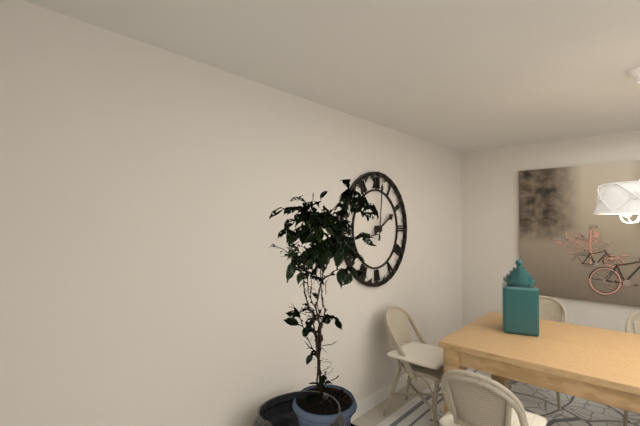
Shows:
2,01
